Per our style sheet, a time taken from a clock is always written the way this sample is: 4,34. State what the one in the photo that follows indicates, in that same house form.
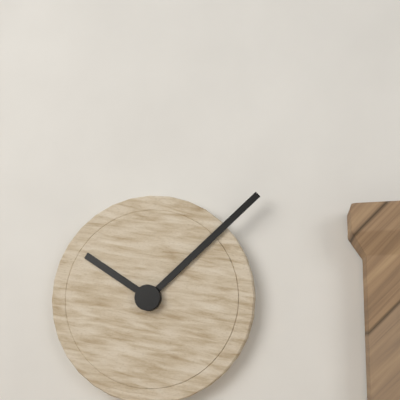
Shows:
10,08
